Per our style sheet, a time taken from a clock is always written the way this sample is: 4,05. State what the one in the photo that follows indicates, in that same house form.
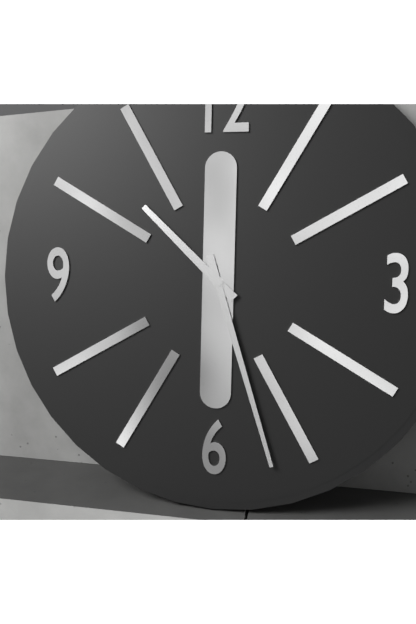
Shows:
10,27
